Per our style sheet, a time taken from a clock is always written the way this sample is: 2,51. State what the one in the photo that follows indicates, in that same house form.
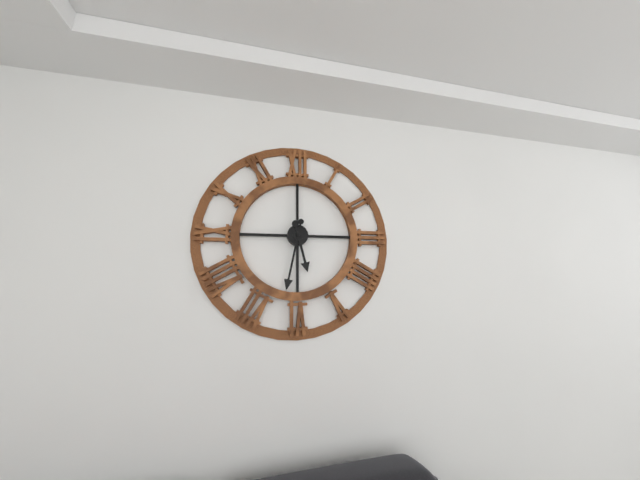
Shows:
5,32
